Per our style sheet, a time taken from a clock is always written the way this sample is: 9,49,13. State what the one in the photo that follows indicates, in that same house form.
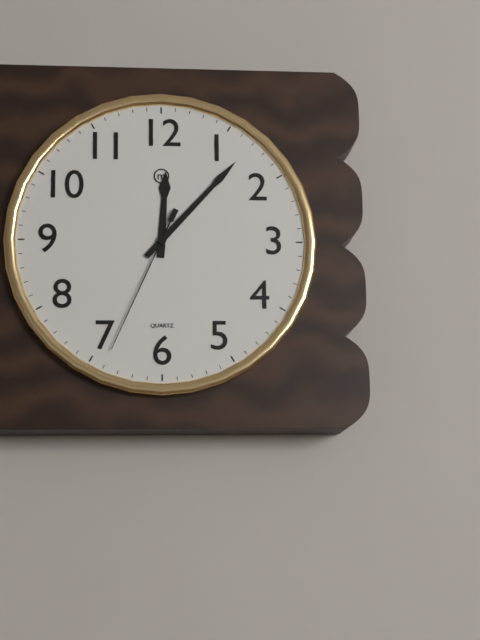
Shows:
12,07,34
